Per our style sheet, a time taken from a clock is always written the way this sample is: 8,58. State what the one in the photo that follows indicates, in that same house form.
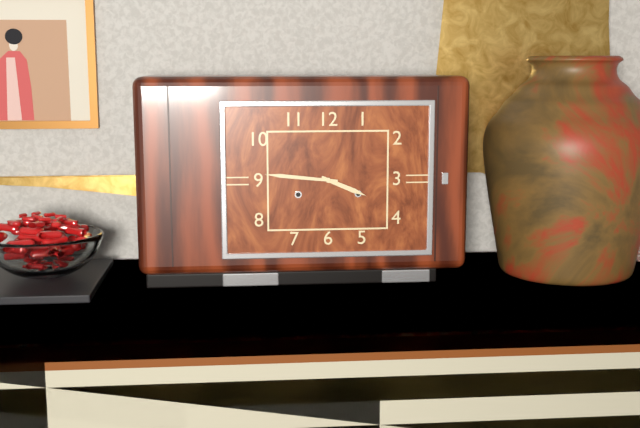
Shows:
3,46
